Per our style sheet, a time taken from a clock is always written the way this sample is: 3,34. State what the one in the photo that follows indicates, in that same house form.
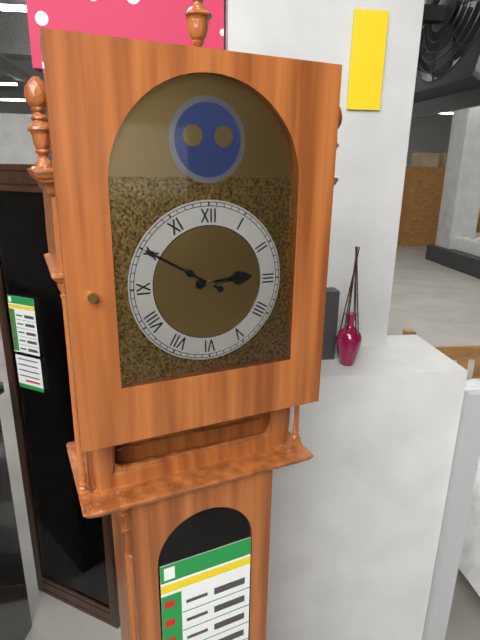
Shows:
2,50
